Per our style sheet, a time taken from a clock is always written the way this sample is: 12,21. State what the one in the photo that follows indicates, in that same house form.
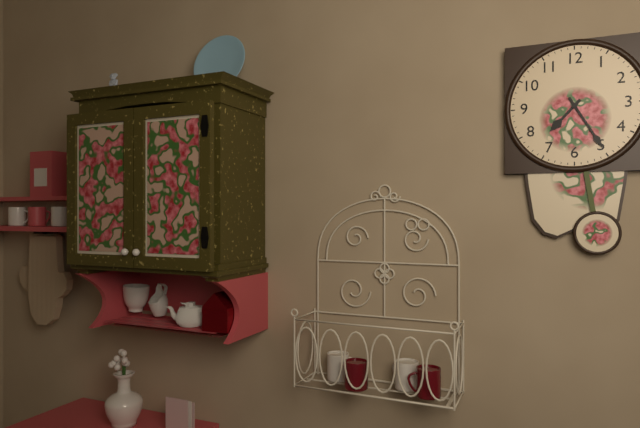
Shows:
7,25
